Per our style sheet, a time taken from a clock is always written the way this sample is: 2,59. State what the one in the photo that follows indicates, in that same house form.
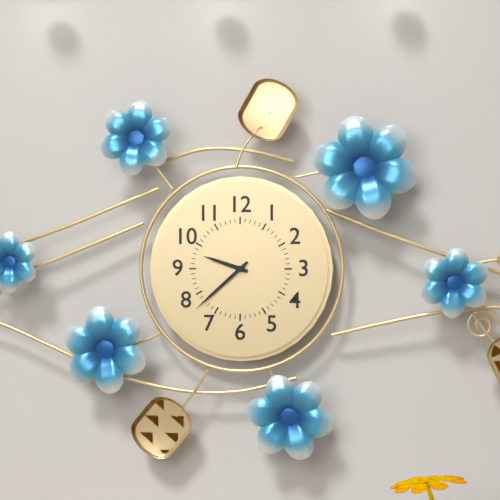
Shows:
9,38
